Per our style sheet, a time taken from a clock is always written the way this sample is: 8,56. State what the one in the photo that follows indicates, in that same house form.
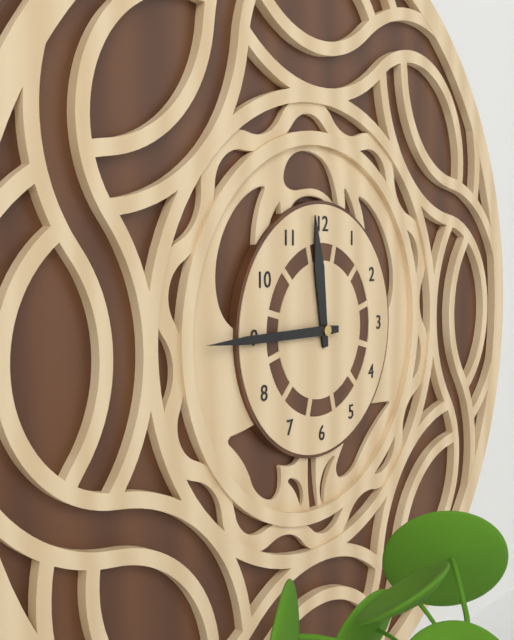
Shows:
11,45
